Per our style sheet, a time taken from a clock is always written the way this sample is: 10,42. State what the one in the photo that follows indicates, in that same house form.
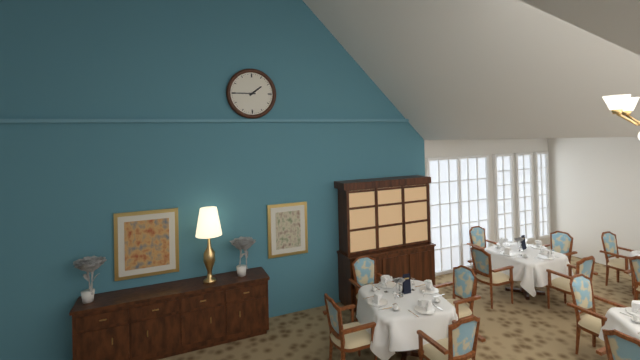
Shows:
1,45
